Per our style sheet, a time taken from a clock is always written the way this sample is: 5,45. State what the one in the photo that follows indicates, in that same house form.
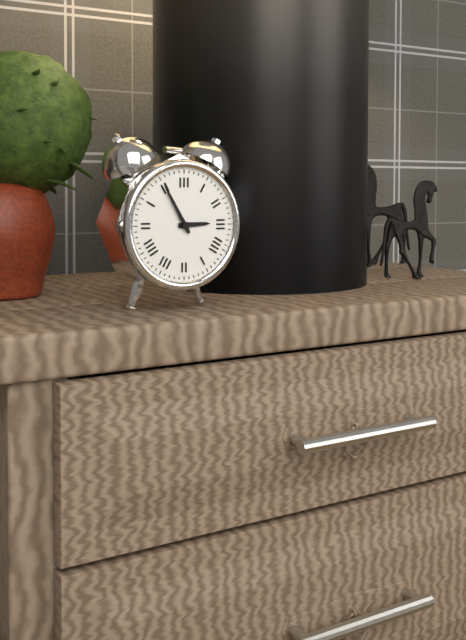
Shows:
2,55
